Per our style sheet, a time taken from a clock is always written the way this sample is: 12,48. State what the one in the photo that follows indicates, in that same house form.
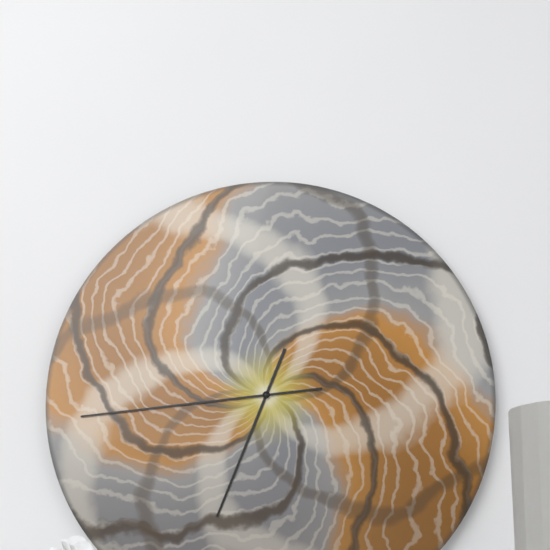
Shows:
6,44
